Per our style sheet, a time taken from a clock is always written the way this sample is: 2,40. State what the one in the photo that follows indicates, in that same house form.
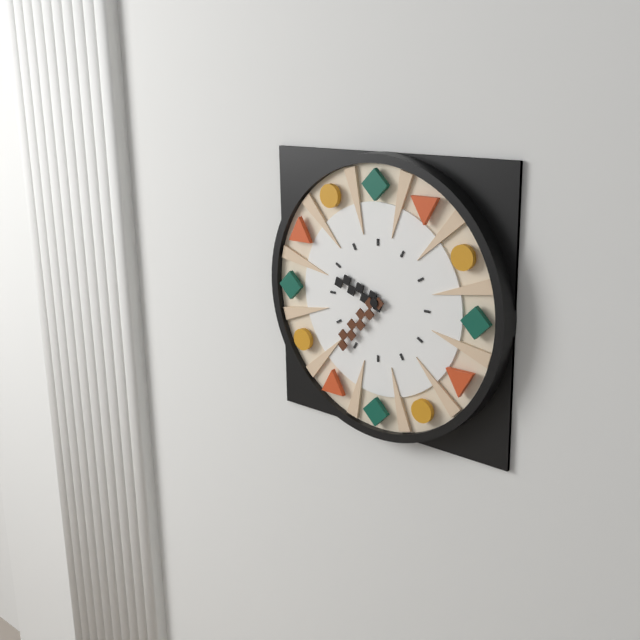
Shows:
9,37
